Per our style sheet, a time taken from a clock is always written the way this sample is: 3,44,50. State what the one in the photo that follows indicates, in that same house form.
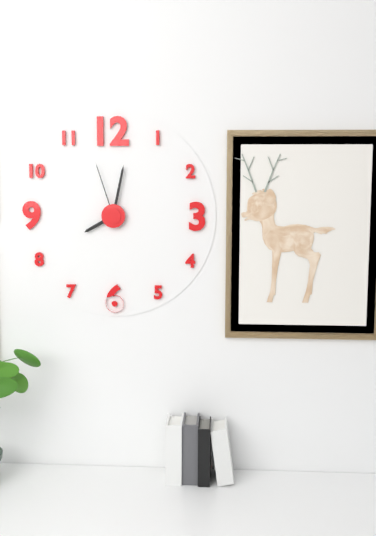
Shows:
8,02,57
